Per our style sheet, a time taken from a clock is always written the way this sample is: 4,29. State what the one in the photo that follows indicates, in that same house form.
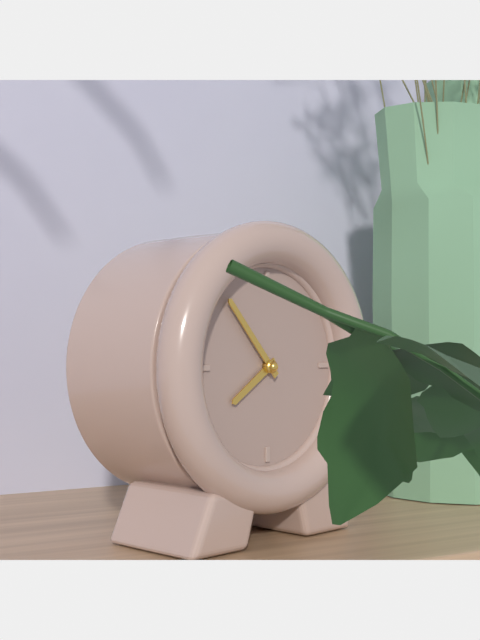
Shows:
7,53
